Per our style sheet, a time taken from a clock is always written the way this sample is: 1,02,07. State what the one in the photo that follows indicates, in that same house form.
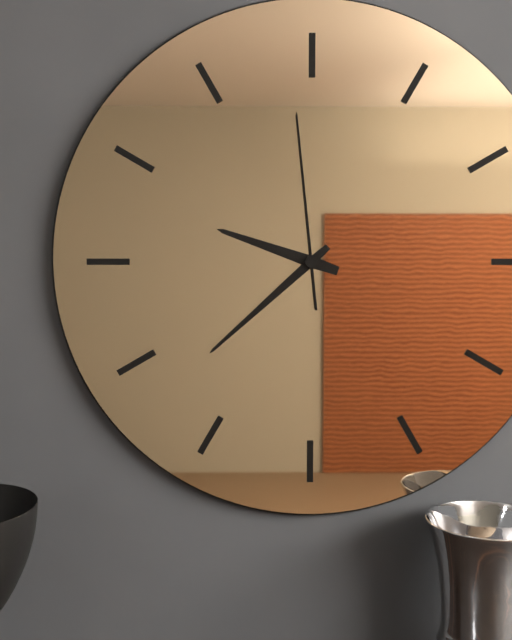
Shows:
9,38,59
